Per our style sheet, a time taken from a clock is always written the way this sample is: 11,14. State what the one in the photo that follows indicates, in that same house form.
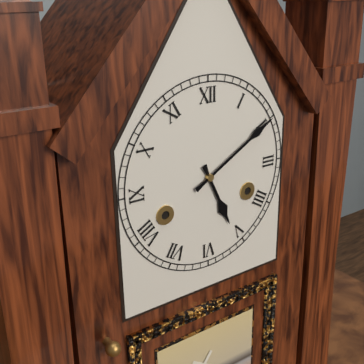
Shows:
5,10
